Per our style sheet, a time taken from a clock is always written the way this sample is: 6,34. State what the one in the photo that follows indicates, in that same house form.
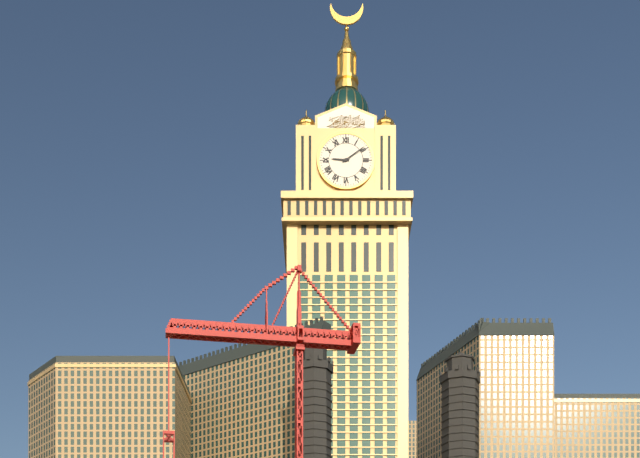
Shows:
9,09
